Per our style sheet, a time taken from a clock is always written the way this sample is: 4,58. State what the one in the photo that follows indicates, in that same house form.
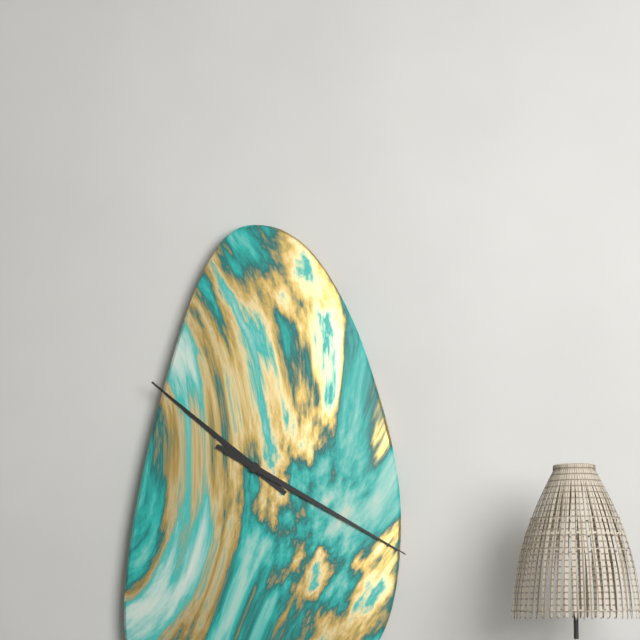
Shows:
10,20
